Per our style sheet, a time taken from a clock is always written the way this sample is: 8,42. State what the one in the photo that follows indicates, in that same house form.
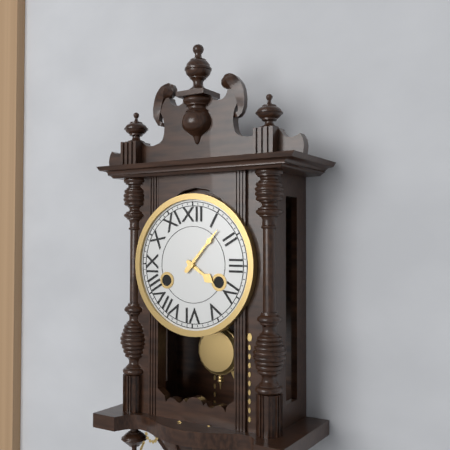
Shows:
4,07
